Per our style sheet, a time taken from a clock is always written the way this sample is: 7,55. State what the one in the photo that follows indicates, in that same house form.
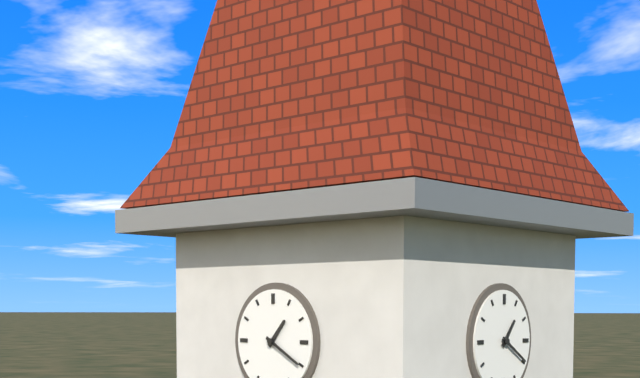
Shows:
1,20
